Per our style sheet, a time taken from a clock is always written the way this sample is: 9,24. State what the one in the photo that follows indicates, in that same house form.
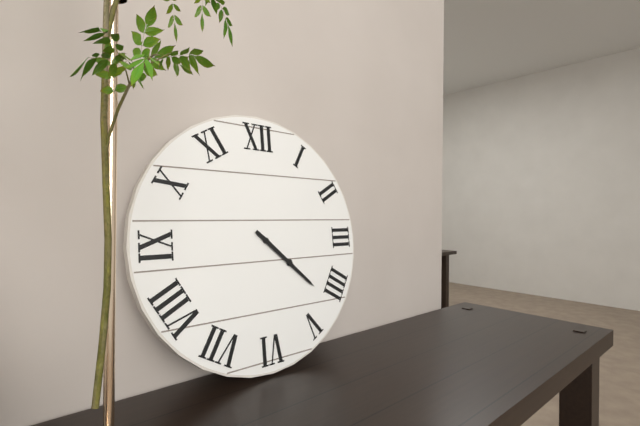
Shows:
4,22
